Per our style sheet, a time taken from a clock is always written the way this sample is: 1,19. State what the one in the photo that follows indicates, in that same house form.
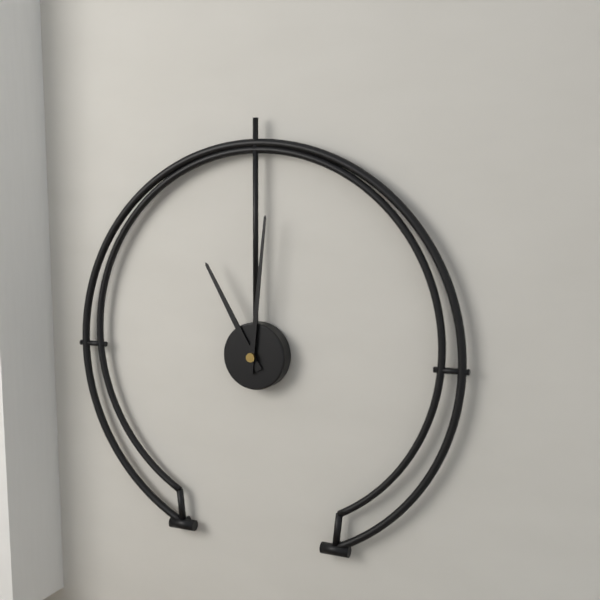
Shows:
11,01
